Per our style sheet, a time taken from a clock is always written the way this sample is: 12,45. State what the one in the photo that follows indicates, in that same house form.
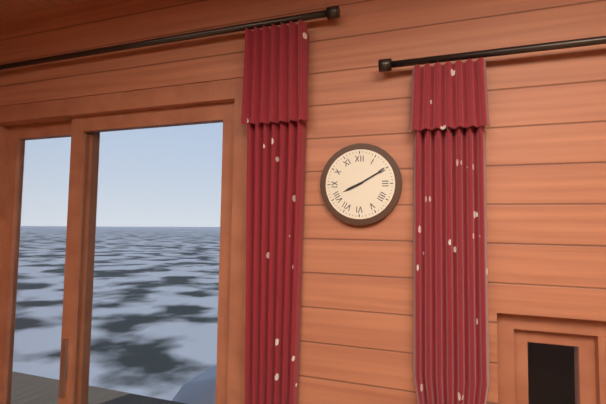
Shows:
8,10
